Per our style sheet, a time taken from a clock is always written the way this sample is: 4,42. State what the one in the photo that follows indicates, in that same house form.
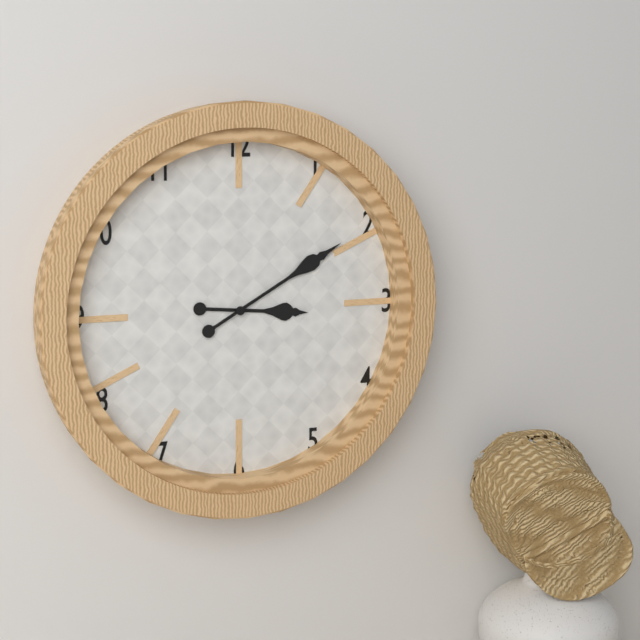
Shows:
3,10
